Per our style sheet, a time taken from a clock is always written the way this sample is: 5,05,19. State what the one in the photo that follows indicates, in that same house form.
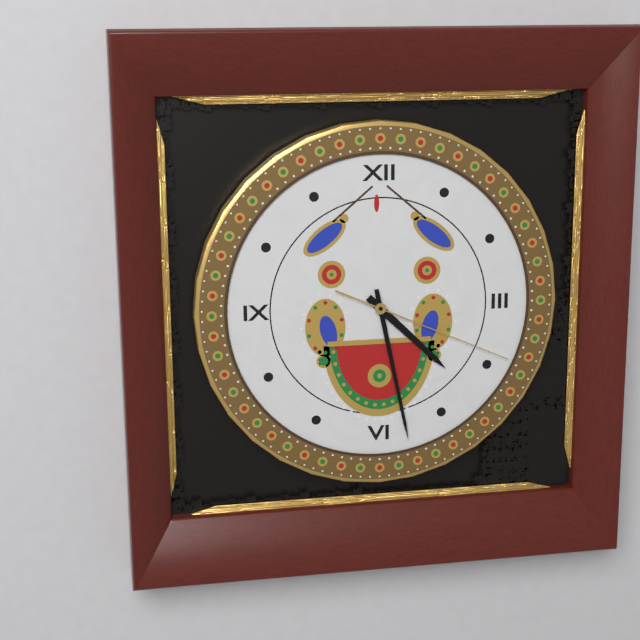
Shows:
4,28,19
